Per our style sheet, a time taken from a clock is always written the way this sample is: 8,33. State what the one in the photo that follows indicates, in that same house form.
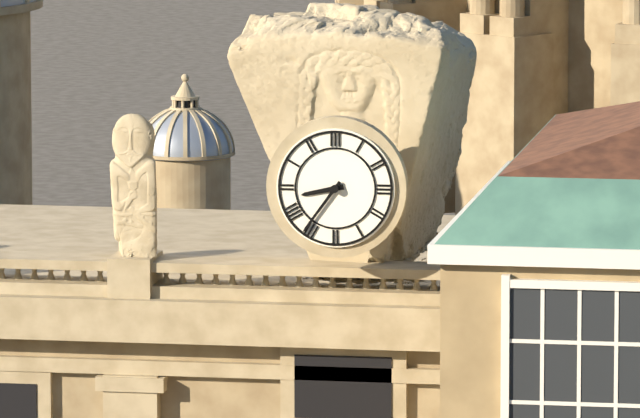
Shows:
8,36
